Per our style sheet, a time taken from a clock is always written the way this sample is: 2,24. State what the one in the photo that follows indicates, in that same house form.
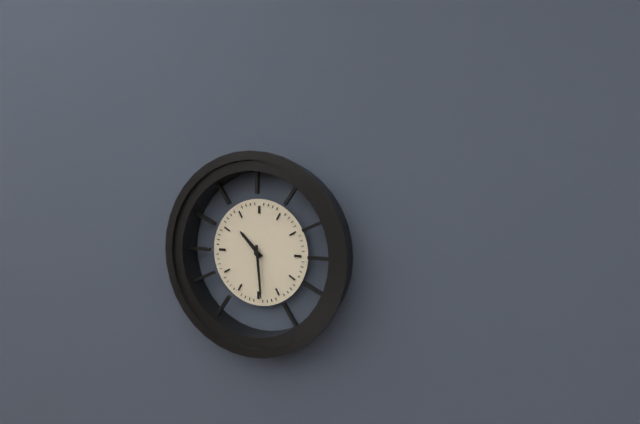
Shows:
10,29
